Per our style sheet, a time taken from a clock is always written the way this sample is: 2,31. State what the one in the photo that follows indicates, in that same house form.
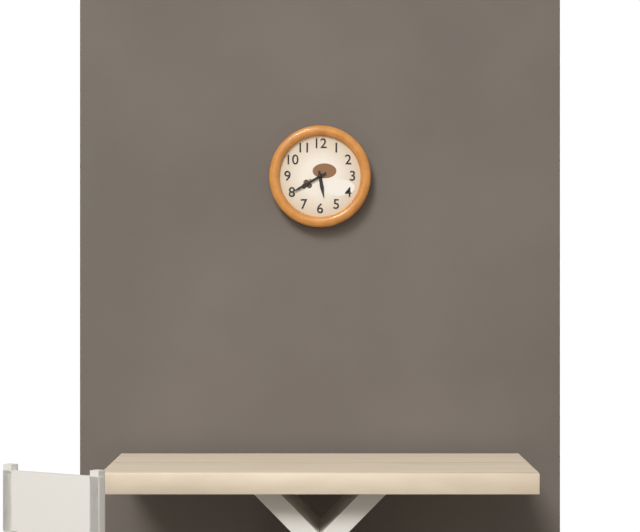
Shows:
5,40
